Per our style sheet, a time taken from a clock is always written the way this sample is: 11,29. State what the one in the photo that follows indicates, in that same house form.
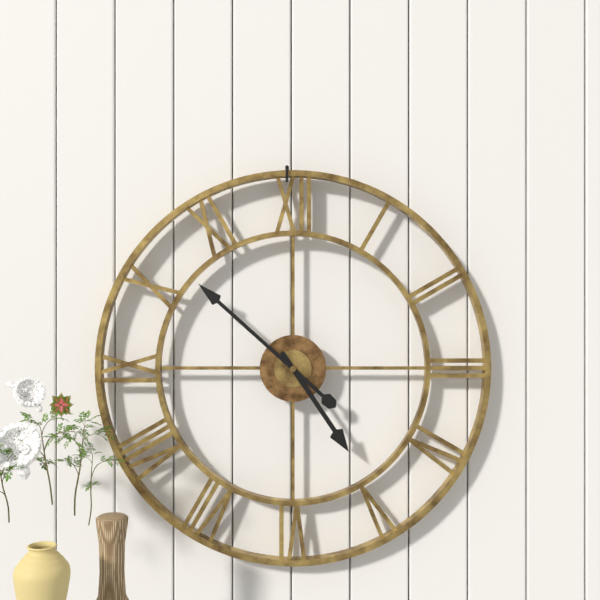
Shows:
4,52
